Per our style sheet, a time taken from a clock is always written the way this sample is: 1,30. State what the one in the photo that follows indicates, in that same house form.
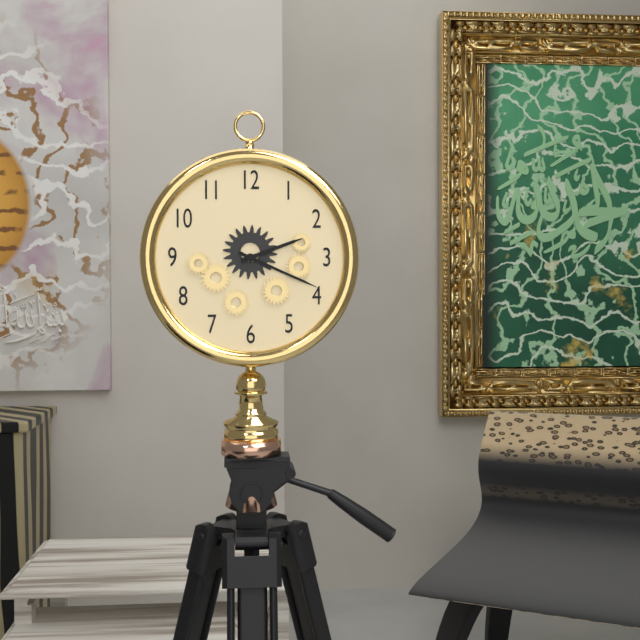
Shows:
2,19
